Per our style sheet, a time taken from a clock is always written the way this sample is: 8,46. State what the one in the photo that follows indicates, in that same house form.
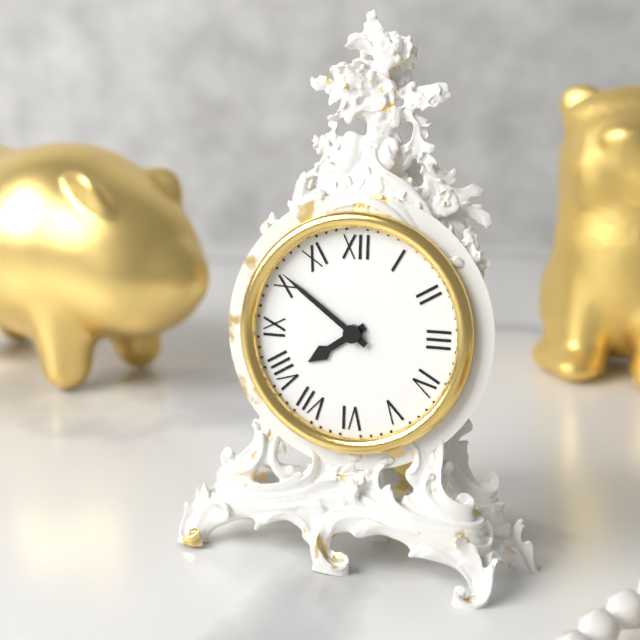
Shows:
7,51
